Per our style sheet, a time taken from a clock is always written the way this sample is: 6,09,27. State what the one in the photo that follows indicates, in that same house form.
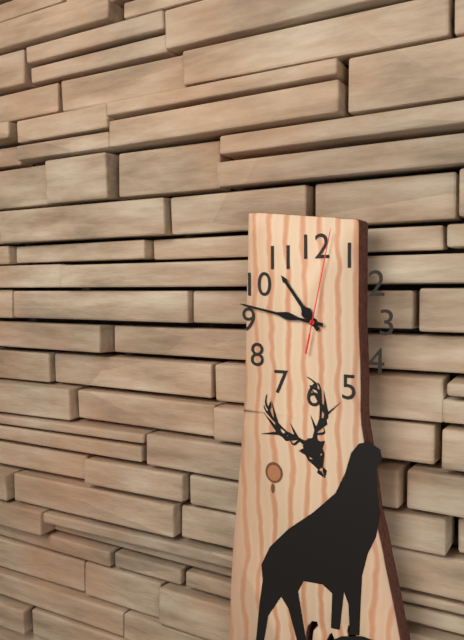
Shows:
10,47,02
